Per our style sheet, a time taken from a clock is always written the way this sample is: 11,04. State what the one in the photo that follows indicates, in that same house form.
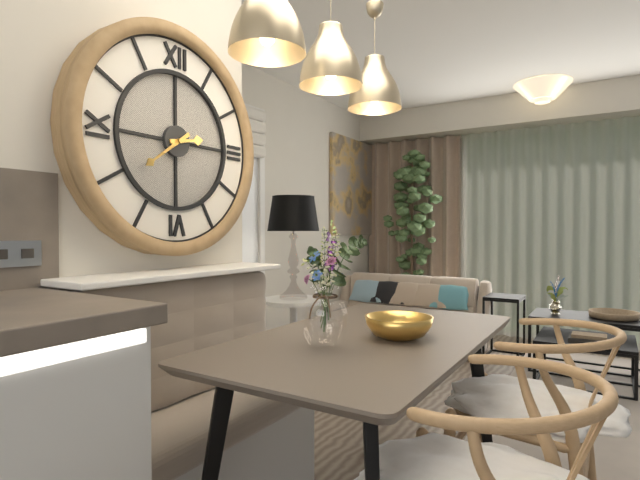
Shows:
2,39
